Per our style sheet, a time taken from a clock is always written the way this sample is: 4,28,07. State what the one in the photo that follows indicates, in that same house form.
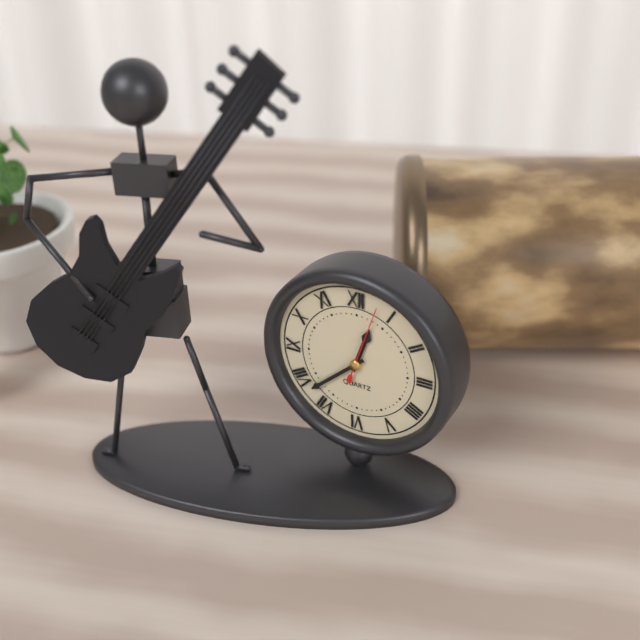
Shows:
12,38,03
